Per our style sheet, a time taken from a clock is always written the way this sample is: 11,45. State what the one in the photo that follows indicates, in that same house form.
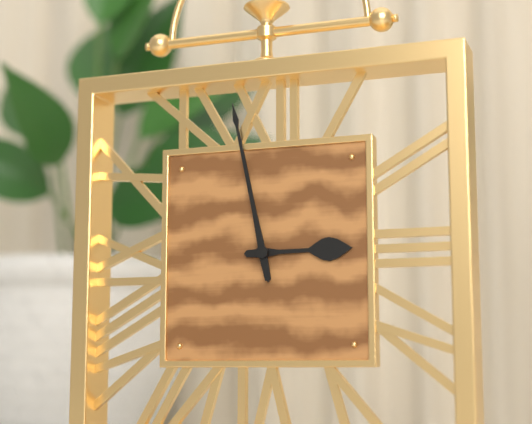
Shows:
2,58
